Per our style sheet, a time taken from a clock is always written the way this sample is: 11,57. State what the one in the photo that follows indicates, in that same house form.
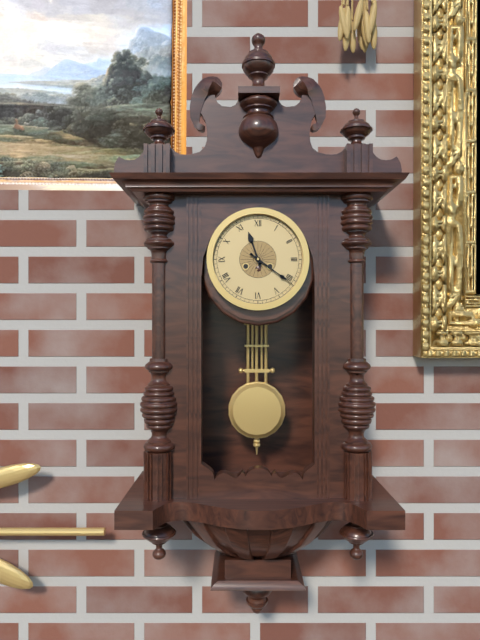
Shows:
11,21
